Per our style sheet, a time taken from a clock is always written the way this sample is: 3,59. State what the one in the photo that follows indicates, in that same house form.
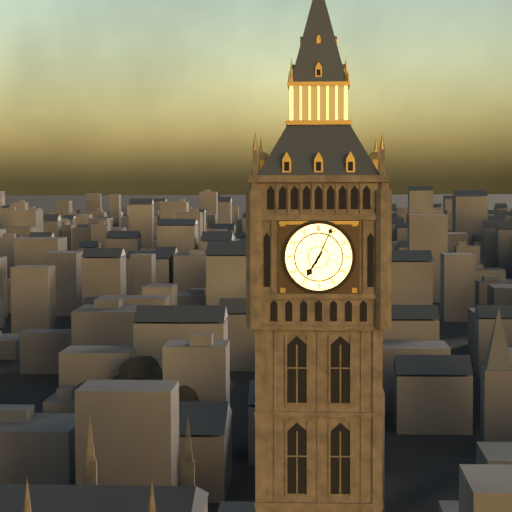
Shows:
7,04
